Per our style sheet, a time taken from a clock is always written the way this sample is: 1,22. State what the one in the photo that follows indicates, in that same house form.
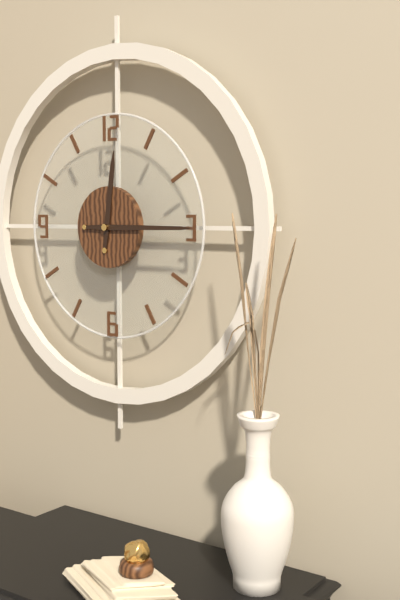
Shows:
12,15
